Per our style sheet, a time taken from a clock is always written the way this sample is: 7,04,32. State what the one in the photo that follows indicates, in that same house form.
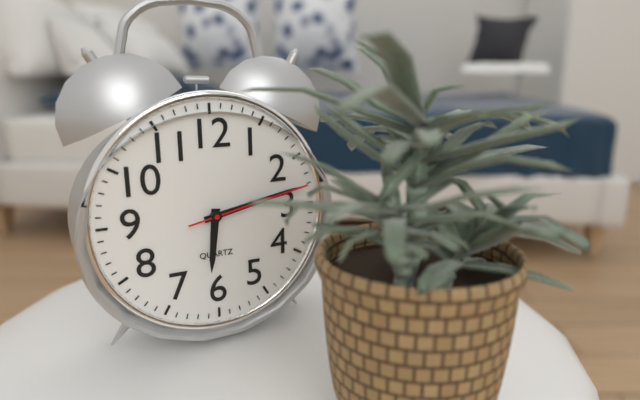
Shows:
6,13,13
